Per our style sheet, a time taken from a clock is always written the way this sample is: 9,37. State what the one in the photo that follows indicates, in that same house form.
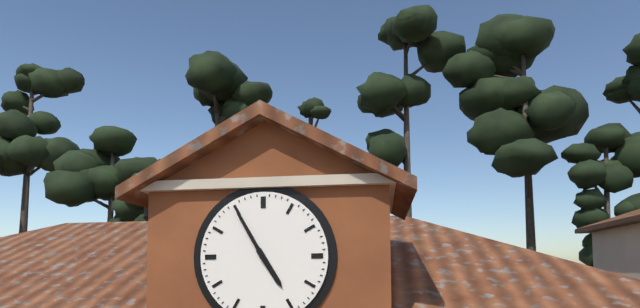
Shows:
4,55
